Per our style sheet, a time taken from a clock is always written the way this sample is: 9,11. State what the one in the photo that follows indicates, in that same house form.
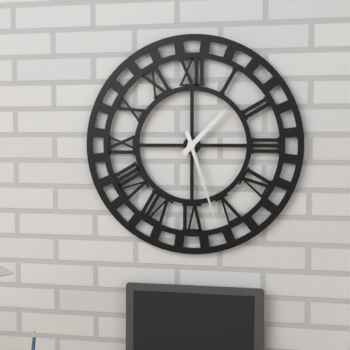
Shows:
1,27
